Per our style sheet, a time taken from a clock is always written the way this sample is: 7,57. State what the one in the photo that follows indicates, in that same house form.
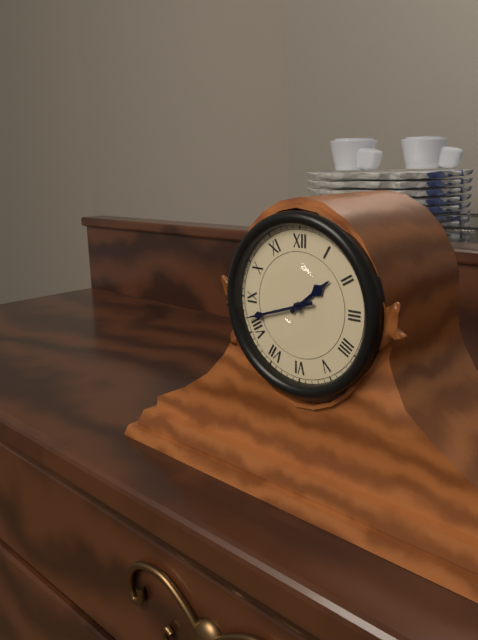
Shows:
1,42
